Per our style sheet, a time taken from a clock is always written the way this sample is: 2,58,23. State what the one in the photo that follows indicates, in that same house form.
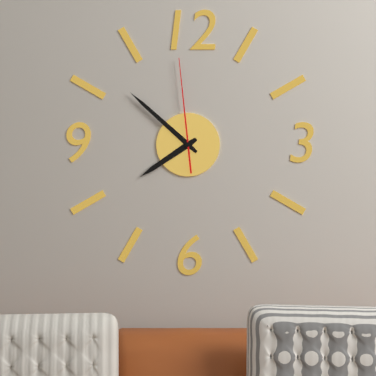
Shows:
7,52,59
